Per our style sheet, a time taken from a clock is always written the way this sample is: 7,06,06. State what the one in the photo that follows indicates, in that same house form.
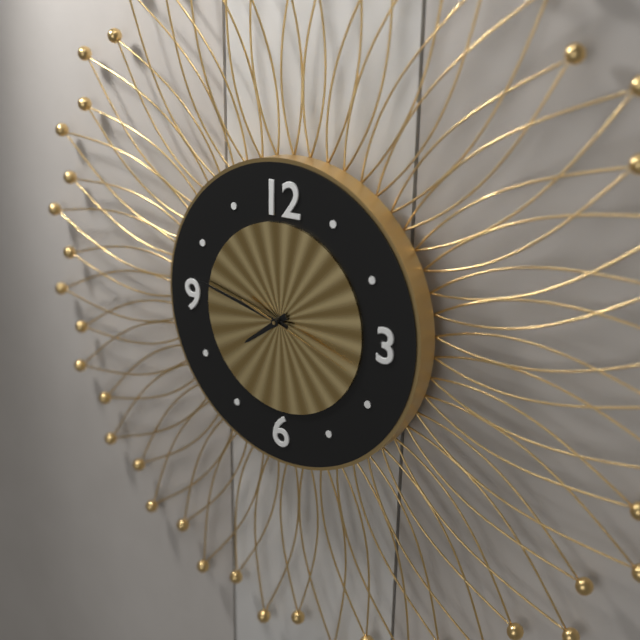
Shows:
7,47,18
